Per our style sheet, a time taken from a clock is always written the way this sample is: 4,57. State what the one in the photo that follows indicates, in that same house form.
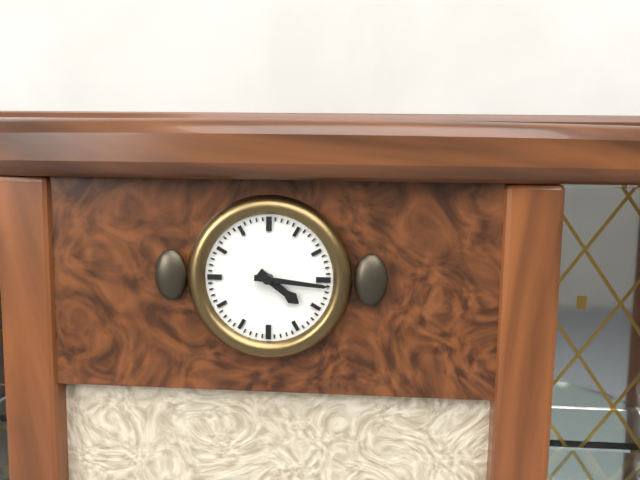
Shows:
4,16
